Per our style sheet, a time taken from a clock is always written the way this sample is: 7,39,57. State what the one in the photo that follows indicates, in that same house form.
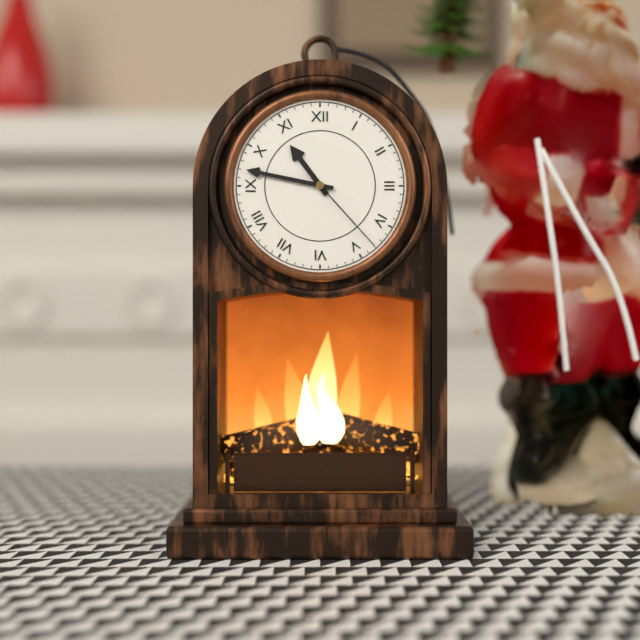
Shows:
10,47,23
